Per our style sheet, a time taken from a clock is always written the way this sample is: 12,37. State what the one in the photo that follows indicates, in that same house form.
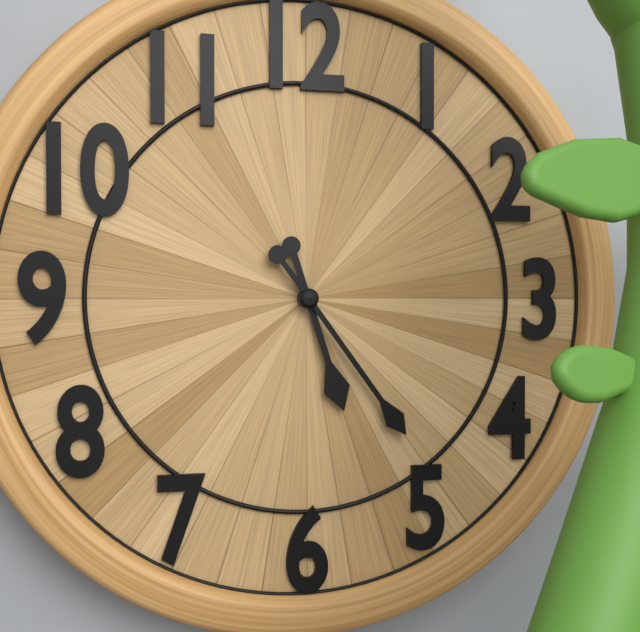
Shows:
5,24
